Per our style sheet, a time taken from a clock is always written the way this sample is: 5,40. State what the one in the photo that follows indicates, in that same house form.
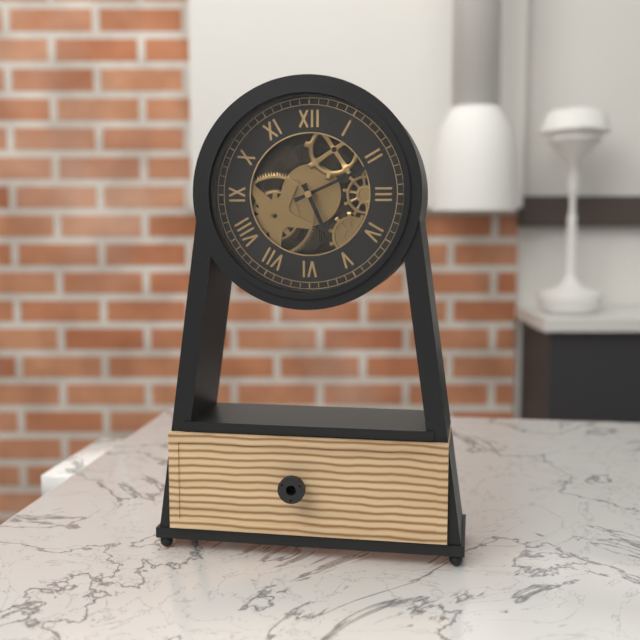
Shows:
5,11
